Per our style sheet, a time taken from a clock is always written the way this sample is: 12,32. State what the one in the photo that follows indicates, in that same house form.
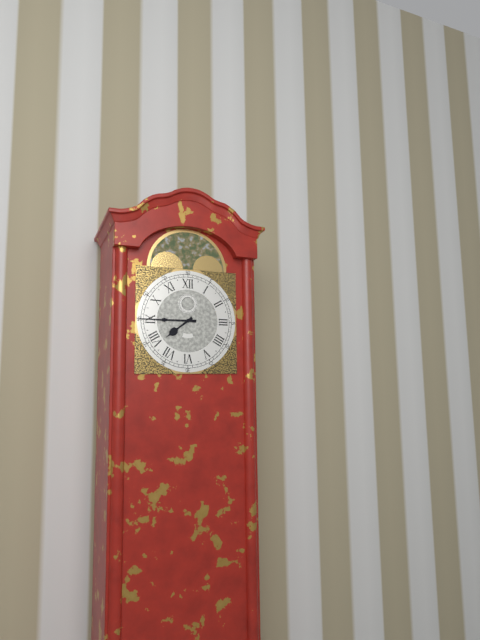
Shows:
7,45
